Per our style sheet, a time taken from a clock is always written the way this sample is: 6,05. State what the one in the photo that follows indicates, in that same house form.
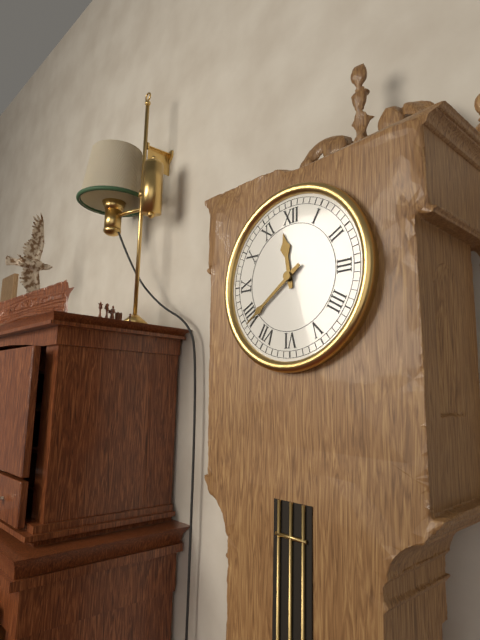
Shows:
11,39
